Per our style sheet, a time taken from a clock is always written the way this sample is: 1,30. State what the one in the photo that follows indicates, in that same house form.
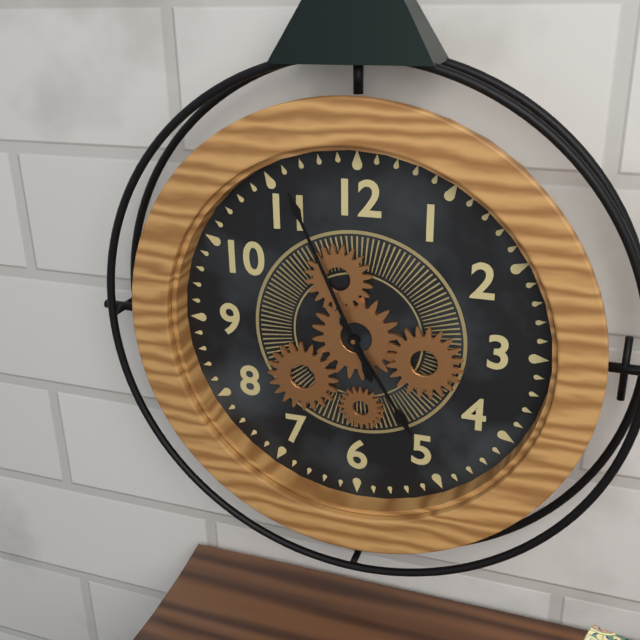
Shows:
4,56
